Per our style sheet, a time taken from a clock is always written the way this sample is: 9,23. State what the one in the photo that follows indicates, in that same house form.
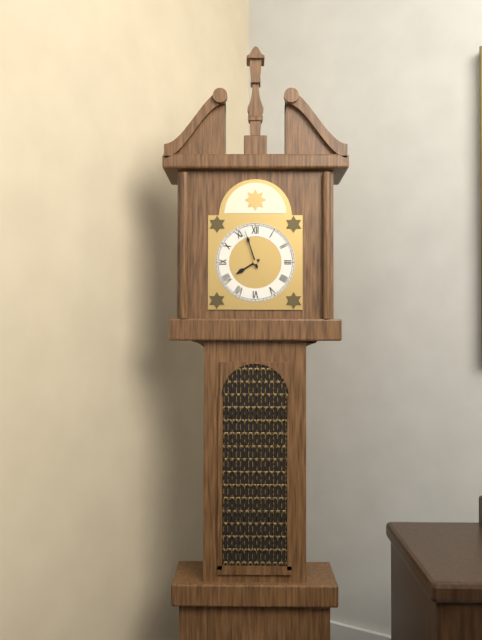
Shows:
7,57
